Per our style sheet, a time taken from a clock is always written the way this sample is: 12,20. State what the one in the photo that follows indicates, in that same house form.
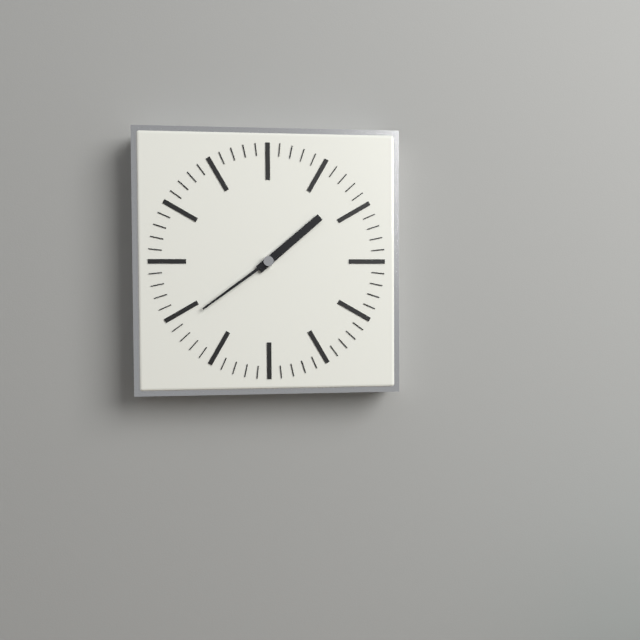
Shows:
1,39
